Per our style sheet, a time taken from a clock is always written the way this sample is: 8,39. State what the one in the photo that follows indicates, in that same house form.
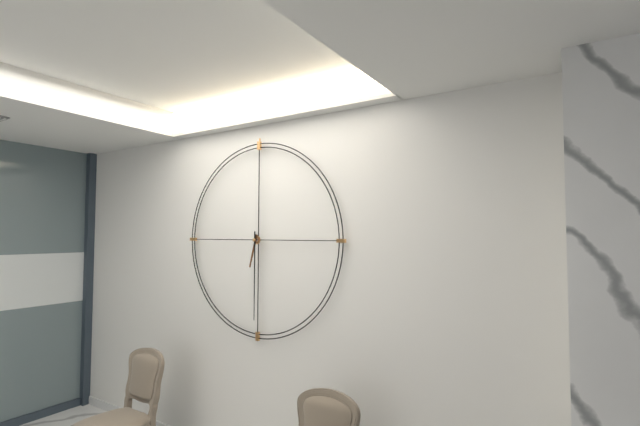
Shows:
6,30
